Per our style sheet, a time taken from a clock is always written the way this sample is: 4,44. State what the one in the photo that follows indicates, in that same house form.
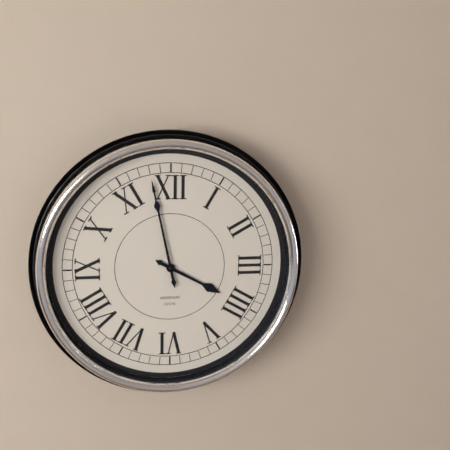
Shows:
3,58
